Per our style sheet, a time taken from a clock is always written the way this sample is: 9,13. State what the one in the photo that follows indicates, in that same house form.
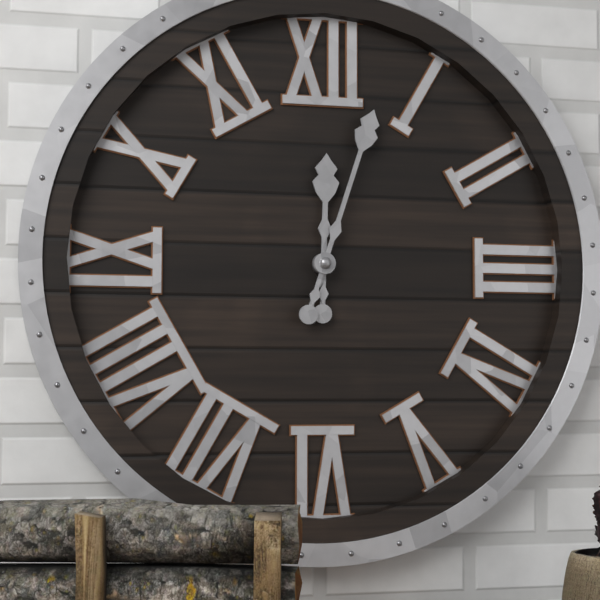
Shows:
12,03
